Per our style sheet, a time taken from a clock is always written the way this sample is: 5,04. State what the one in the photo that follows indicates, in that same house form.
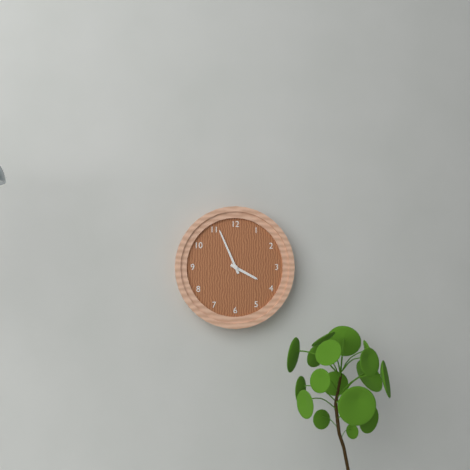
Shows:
3,56
